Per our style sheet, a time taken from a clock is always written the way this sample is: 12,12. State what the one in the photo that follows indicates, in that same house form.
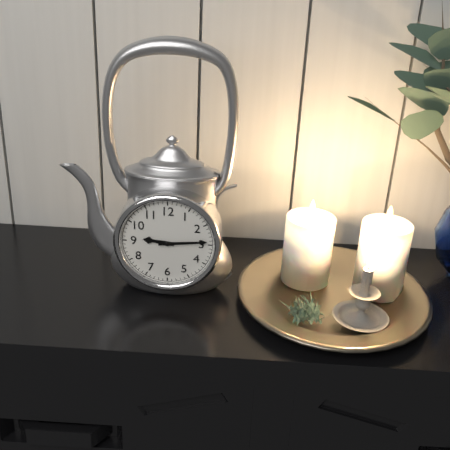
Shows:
9,14
